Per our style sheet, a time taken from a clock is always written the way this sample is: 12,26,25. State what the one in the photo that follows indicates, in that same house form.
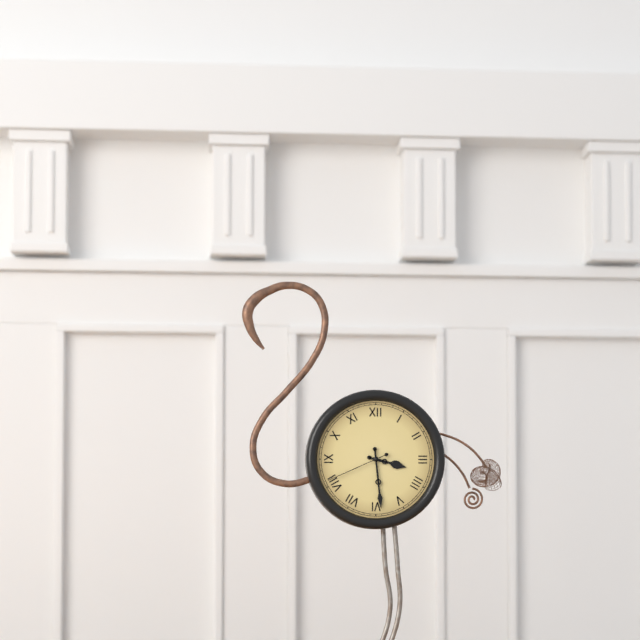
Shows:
3,29,41
